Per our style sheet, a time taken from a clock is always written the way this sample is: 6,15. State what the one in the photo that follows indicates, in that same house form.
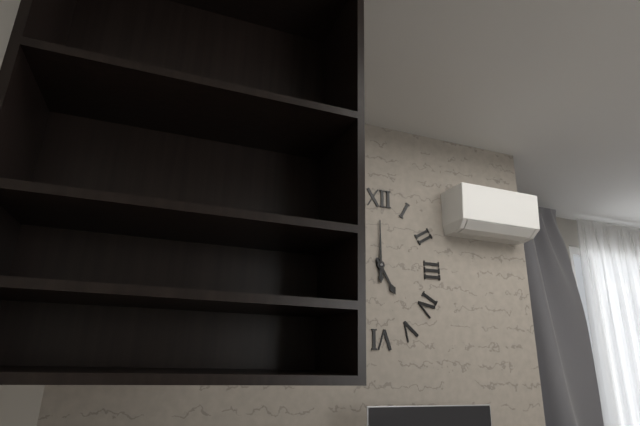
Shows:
5,00
